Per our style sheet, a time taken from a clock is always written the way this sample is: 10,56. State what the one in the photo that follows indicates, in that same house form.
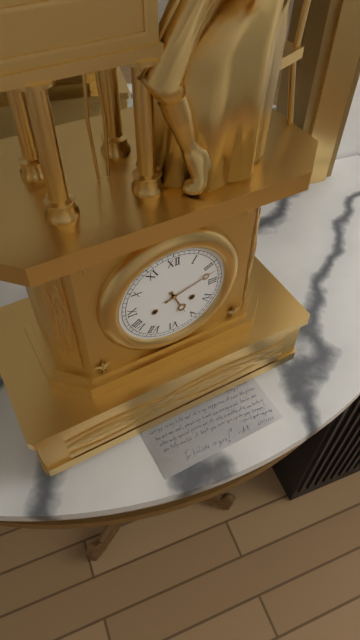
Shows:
5,12
